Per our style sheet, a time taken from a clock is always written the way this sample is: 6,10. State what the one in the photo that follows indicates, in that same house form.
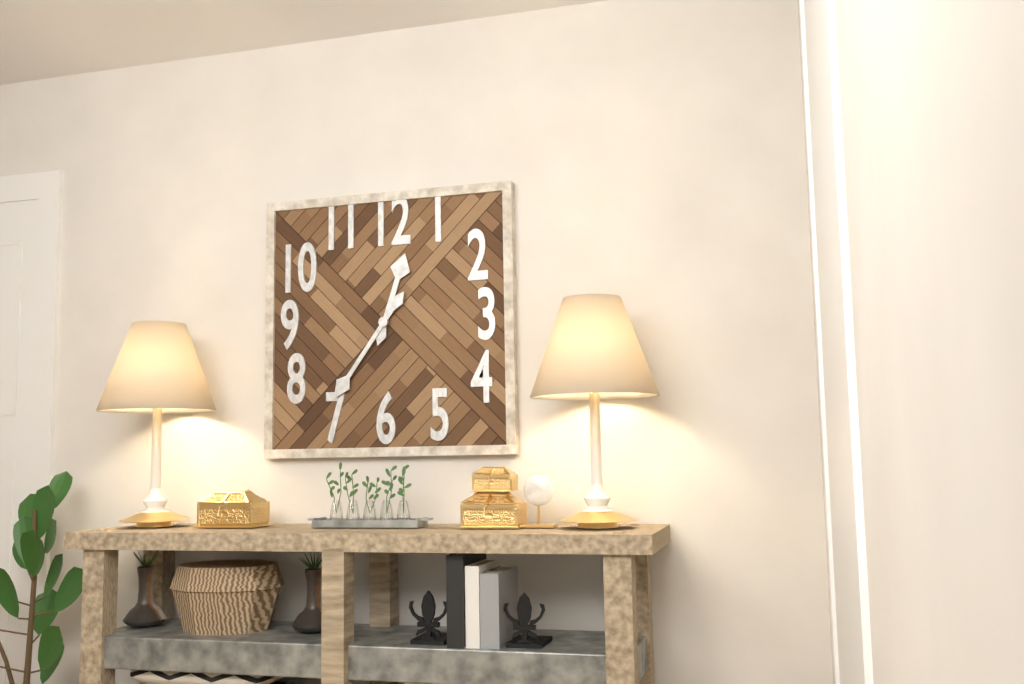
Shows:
12,36
